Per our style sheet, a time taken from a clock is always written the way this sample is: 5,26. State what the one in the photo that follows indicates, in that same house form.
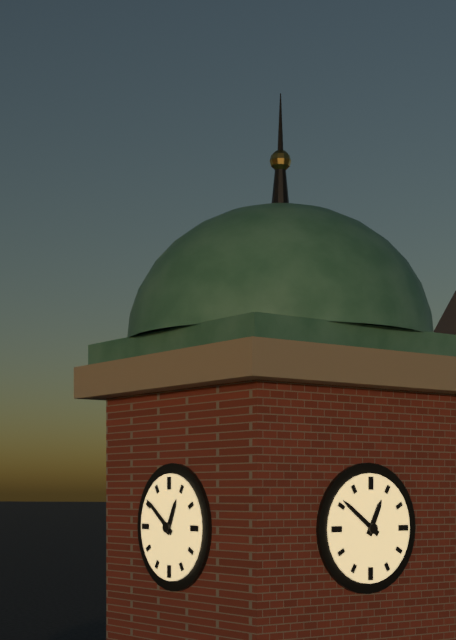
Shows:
12,51
